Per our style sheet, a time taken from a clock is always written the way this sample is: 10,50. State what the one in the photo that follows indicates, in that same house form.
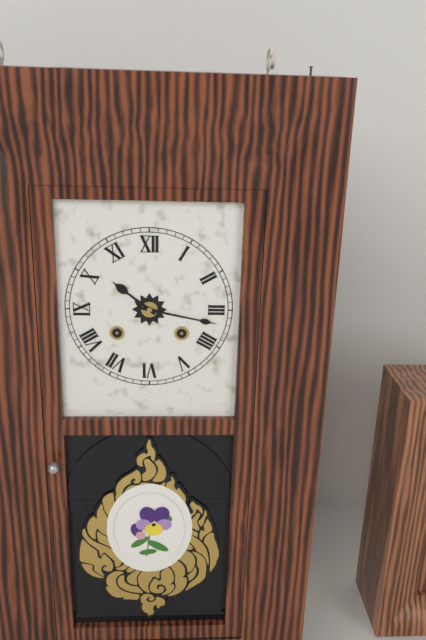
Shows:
10,17
